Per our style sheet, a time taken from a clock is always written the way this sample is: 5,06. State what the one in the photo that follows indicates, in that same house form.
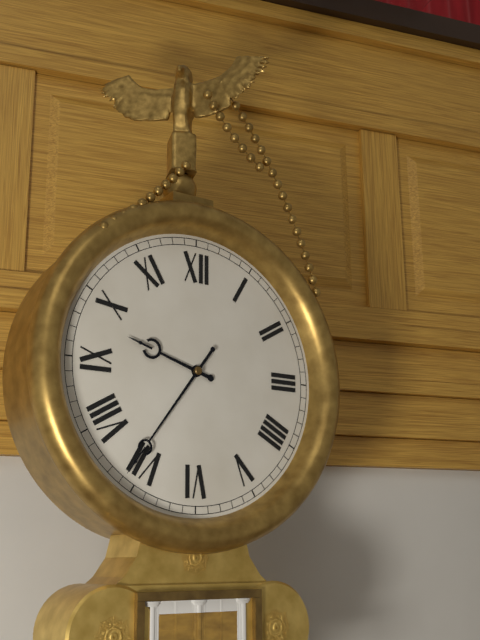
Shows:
9,36
